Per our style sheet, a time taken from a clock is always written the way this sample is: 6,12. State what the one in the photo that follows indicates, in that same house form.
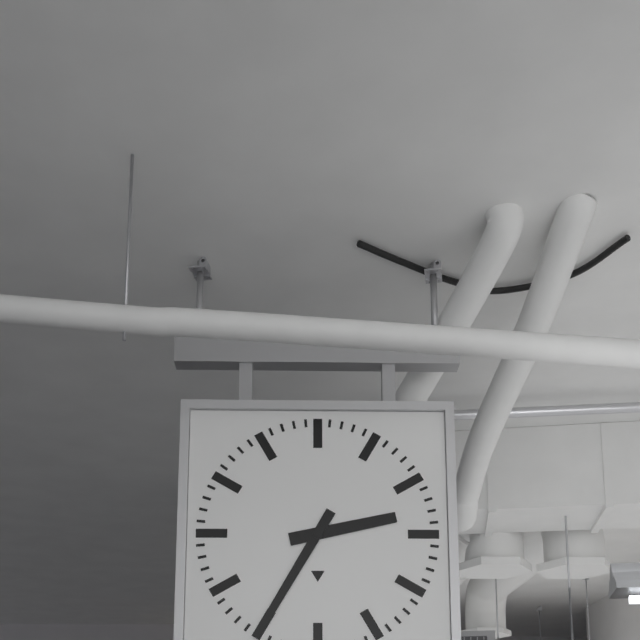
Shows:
2,35
